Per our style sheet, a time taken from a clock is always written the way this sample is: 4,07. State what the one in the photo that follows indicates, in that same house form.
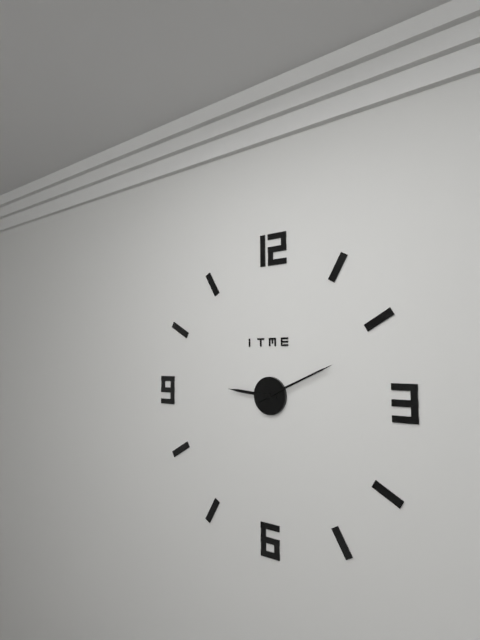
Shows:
9,11
